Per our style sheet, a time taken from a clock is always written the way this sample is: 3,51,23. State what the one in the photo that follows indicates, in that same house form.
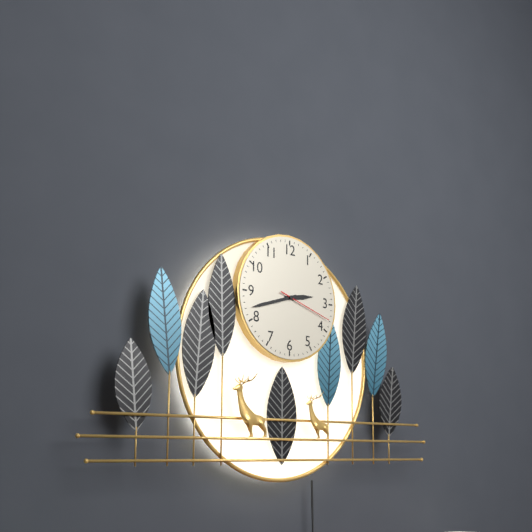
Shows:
2,42,18
